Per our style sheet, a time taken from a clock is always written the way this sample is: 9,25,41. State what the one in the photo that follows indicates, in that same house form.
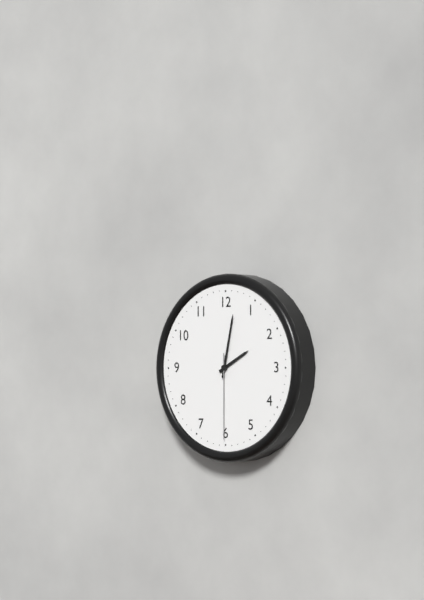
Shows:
2,02,30
